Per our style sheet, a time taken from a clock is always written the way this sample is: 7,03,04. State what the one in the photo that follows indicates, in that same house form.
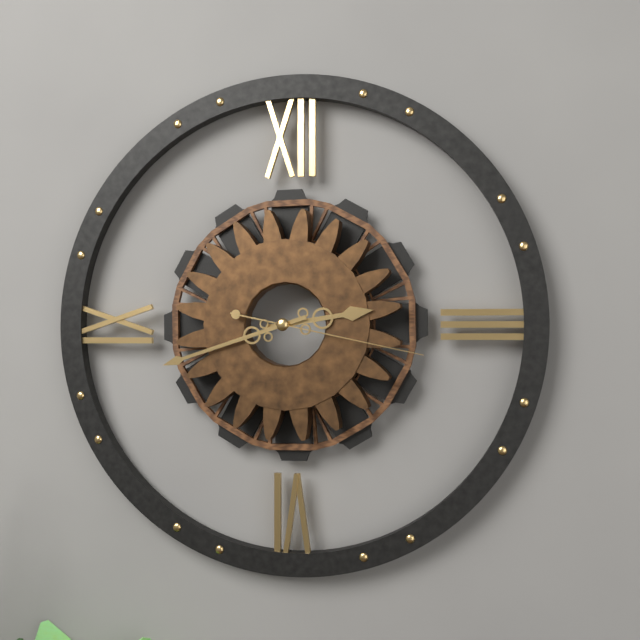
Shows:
2,42,17
